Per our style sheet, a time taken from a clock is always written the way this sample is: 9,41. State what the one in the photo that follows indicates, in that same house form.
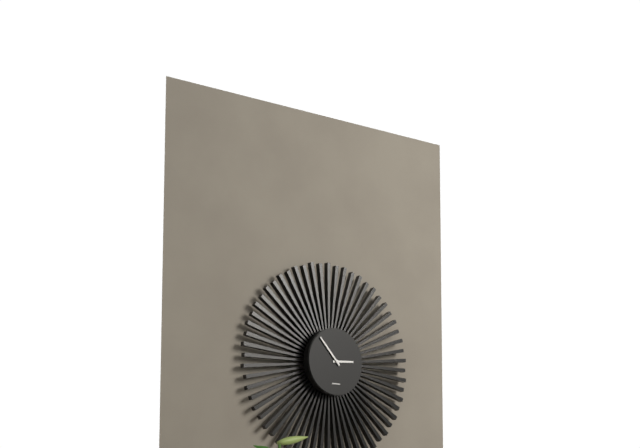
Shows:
2,53
